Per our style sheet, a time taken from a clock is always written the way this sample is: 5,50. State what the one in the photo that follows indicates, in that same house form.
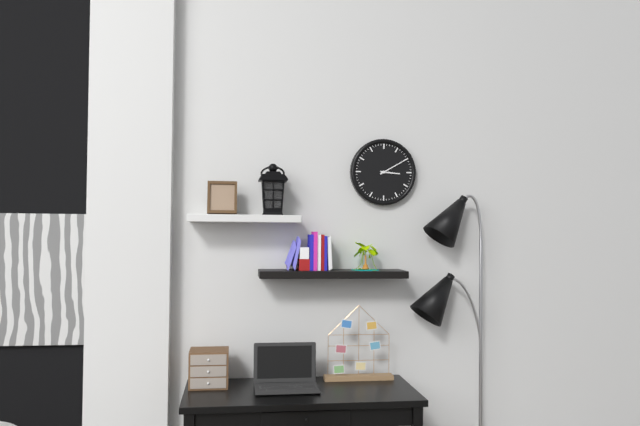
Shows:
3,10
